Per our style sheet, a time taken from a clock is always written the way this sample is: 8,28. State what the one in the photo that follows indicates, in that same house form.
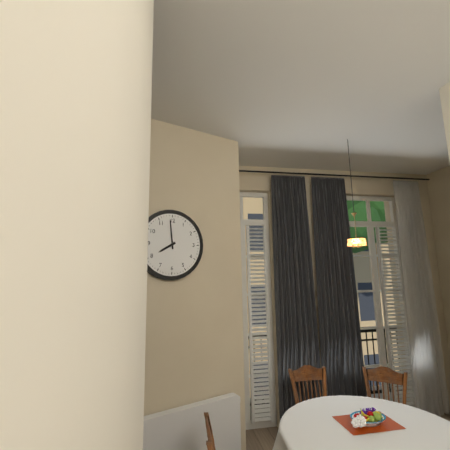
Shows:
7,59
